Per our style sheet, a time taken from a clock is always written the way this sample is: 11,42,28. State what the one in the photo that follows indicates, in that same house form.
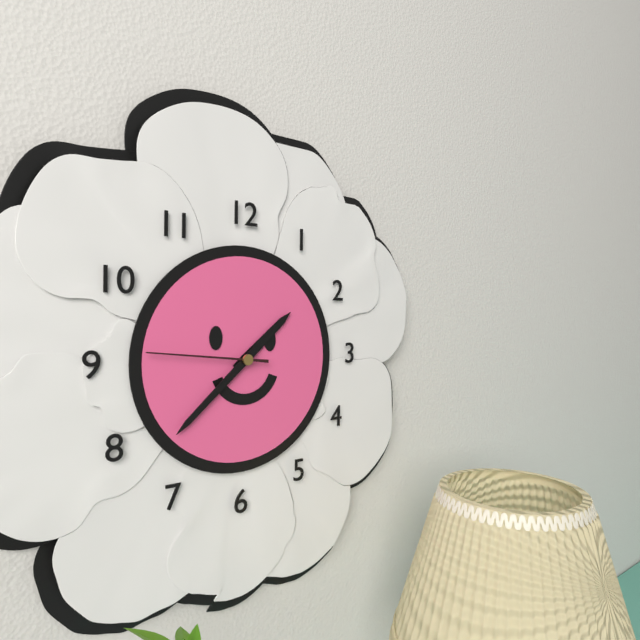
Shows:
1,38,46
